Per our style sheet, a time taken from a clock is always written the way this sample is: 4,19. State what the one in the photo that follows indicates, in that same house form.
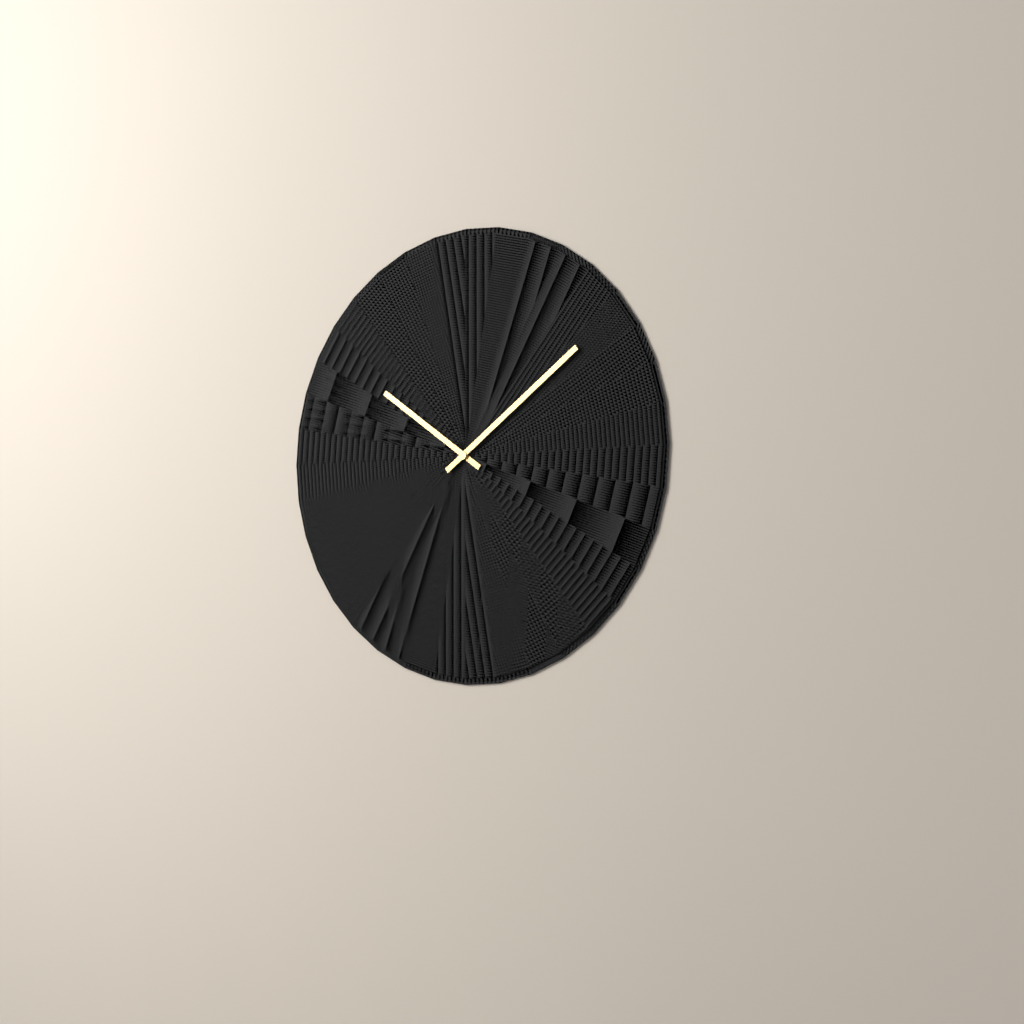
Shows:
10,09
